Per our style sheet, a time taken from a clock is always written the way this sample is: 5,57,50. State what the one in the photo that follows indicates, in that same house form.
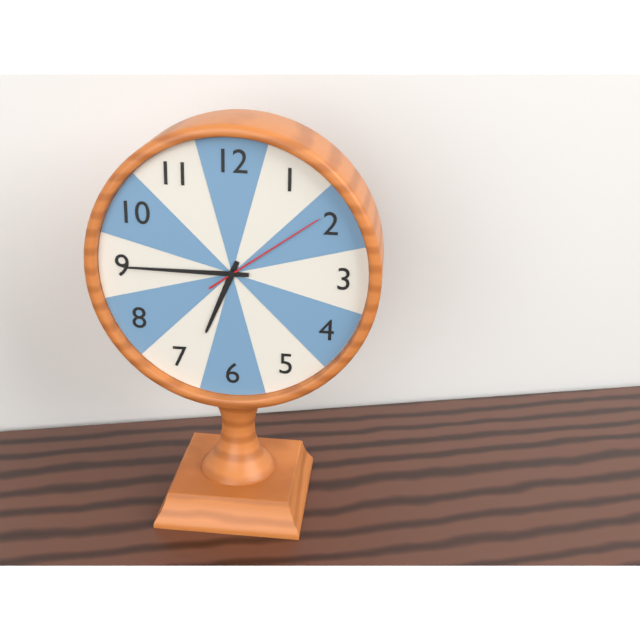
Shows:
6,45,09
